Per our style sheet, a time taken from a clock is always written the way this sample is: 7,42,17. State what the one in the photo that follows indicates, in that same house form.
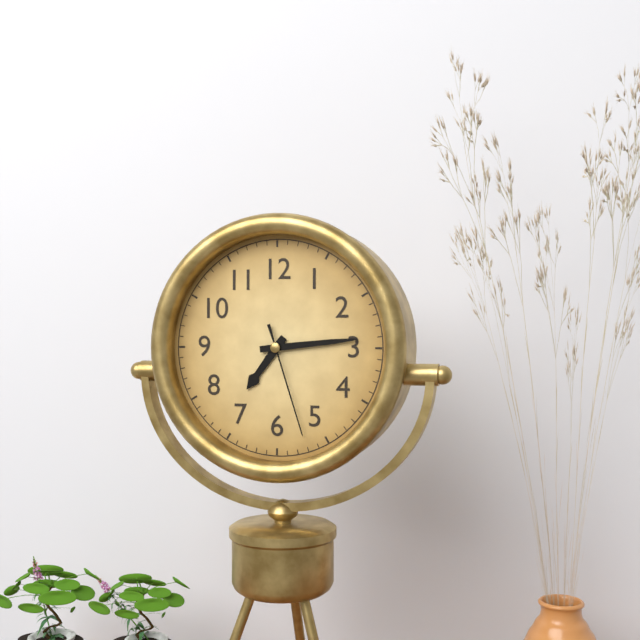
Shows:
7,14,27
